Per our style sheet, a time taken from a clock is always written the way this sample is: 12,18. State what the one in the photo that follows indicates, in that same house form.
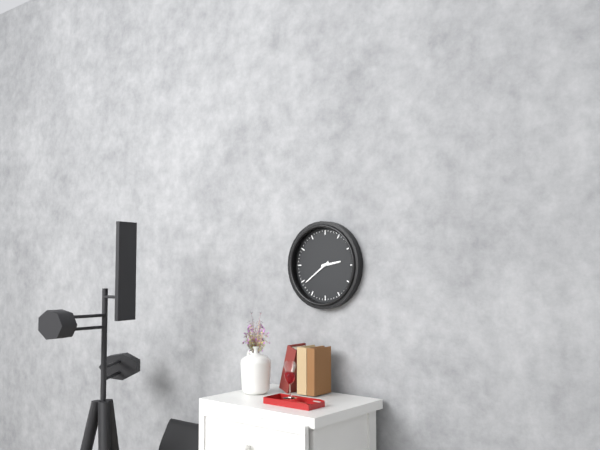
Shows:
2,39
